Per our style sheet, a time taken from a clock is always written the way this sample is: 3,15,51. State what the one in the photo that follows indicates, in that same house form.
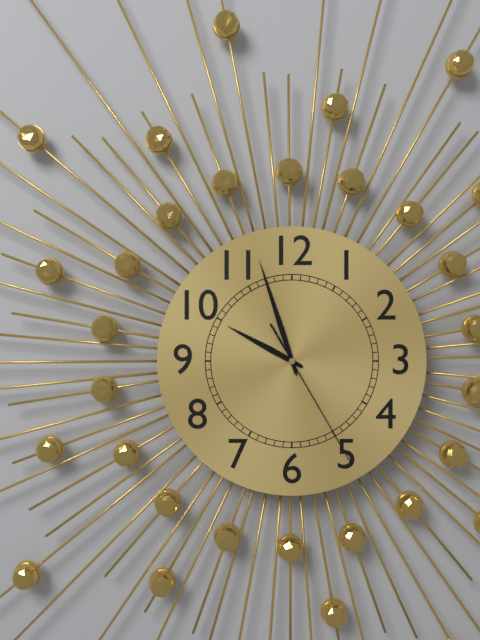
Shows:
9,57,25
